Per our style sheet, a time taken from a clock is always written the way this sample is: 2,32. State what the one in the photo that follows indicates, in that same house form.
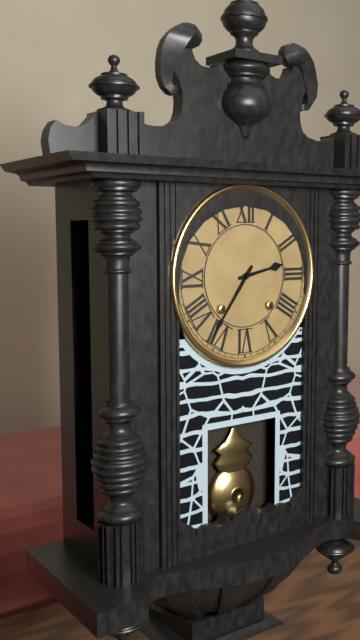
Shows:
2,36
